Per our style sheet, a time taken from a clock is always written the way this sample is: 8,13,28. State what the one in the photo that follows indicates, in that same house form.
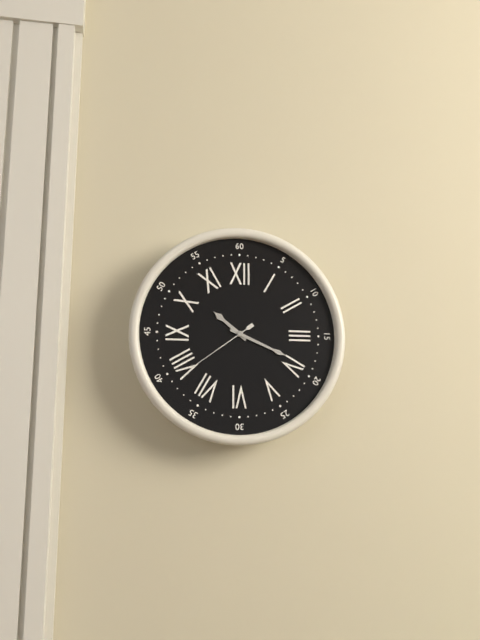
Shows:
10,19,39
